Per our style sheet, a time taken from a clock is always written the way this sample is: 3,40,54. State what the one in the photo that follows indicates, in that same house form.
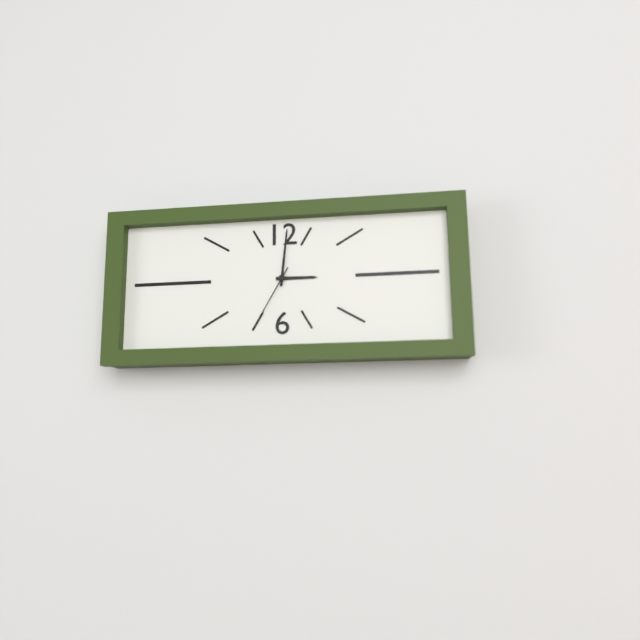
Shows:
3,01,35
